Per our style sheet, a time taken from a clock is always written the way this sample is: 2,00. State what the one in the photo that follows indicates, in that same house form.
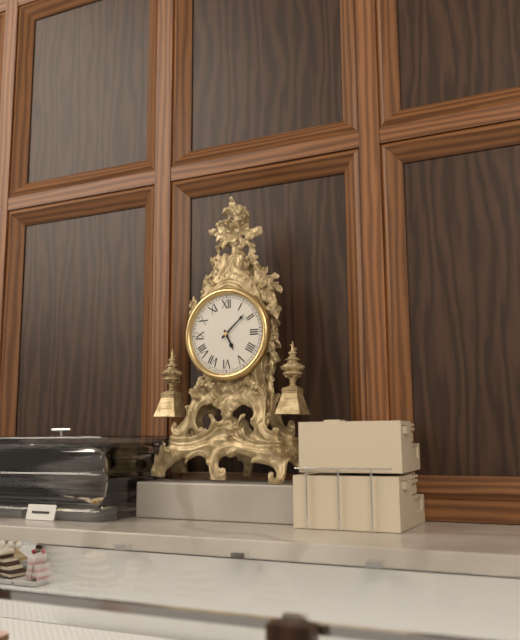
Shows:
5,08
